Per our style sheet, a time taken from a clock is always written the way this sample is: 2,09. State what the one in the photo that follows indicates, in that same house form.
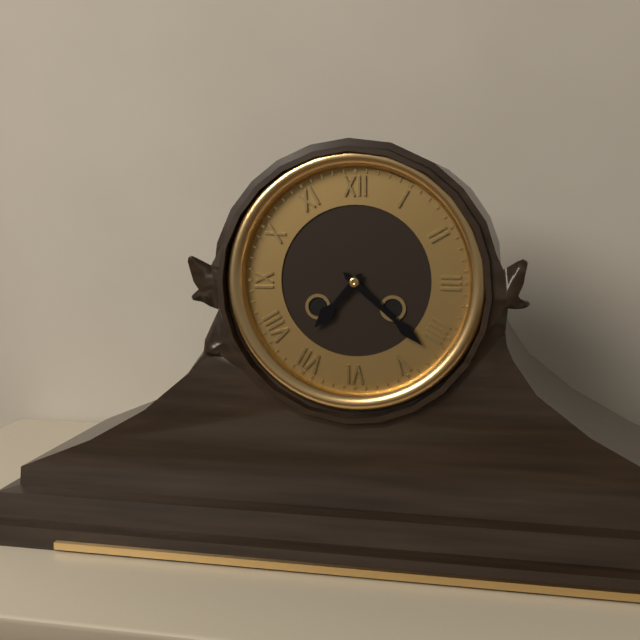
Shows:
7,22
